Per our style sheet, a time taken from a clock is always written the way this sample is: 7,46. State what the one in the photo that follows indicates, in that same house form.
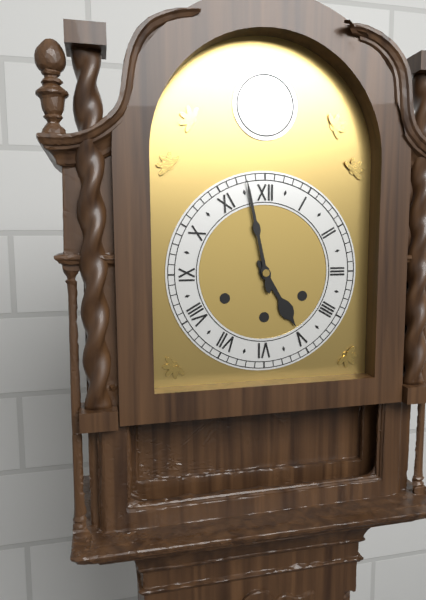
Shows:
4,58
